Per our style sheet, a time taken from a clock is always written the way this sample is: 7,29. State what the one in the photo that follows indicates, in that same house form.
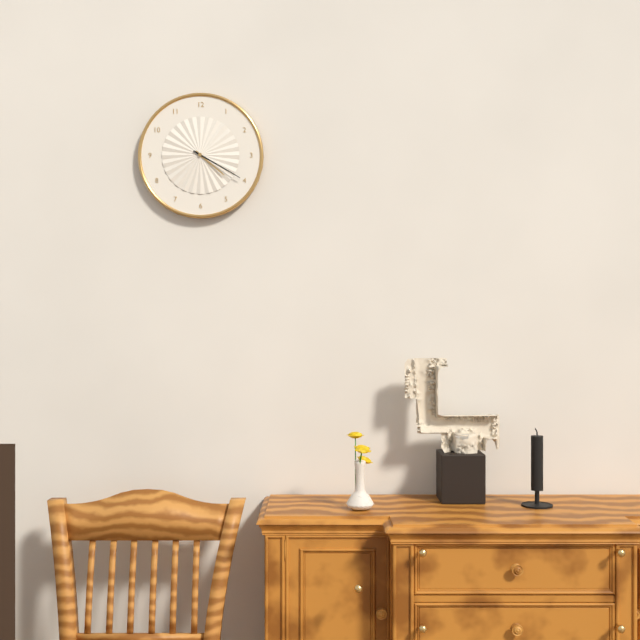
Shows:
4,20
